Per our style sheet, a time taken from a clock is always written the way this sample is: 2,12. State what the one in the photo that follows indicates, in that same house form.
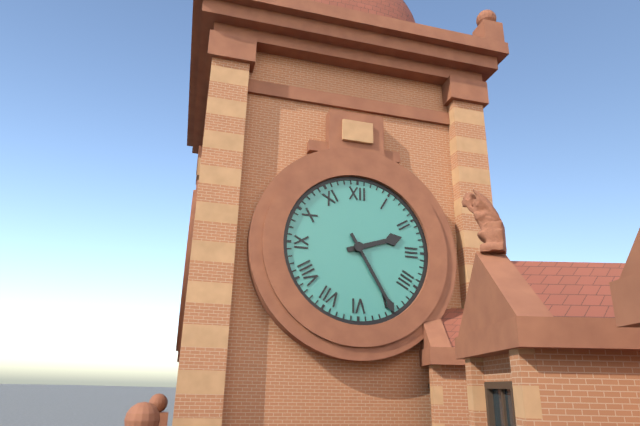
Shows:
2,25
